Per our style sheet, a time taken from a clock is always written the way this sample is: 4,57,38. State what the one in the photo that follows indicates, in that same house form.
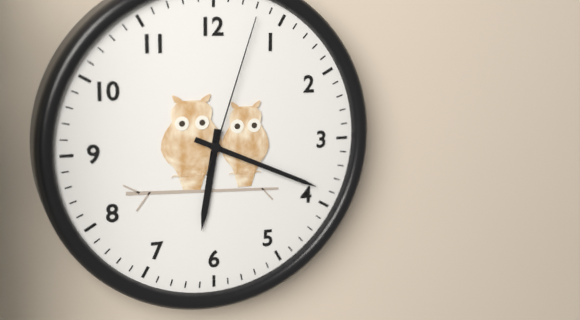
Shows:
6,19,03
